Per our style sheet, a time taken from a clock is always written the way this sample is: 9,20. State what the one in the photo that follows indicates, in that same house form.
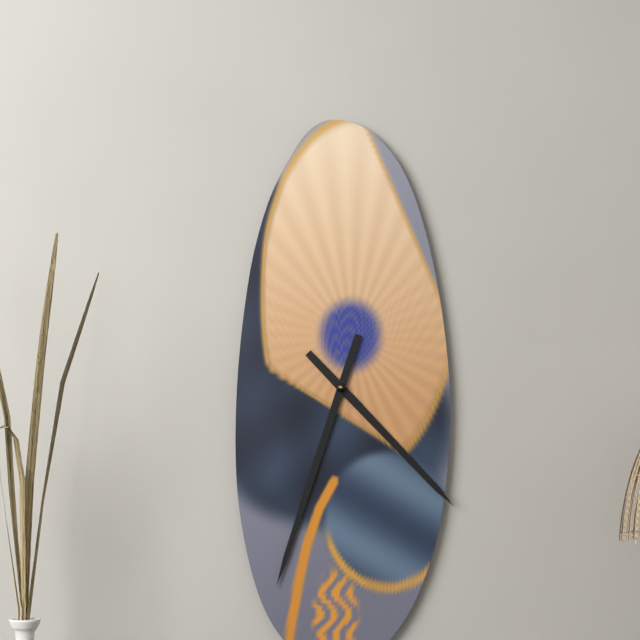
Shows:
4,33
